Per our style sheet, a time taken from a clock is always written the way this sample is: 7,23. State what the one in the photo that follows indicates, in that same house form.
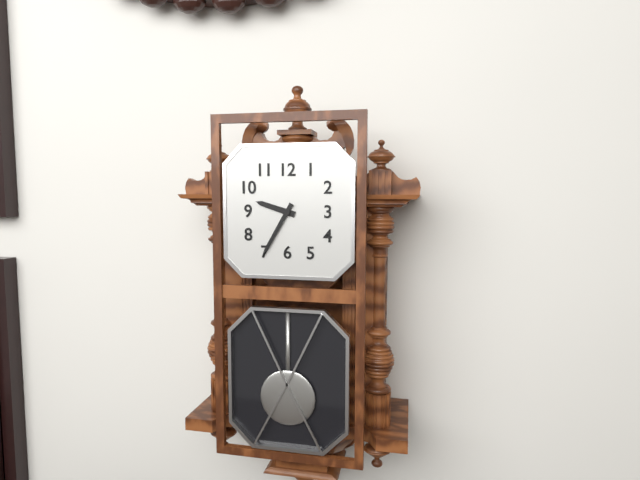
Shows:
9,35
